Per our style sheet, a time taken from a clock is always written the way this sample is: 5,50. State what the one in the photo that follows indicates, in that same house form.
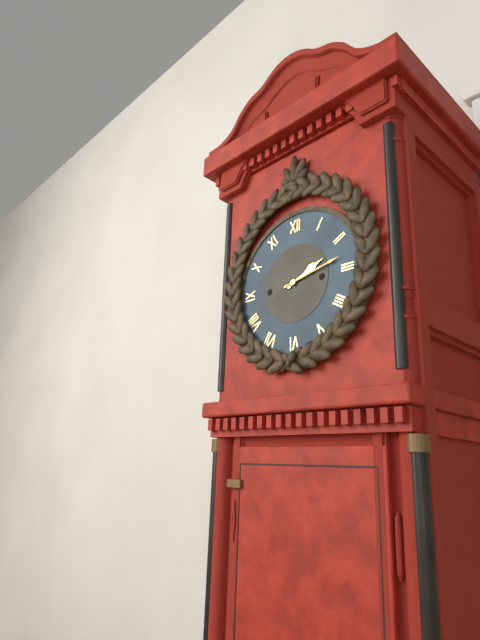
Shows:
2,13
